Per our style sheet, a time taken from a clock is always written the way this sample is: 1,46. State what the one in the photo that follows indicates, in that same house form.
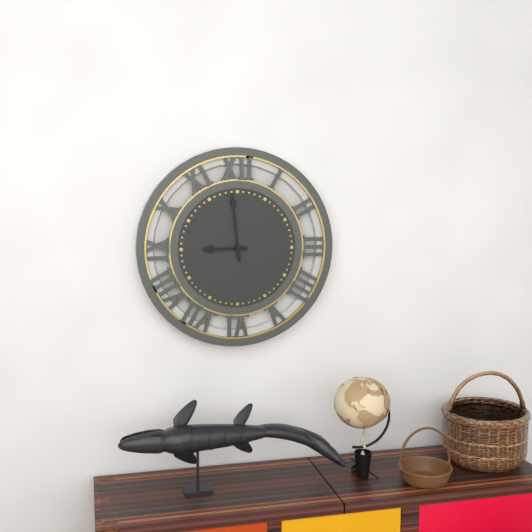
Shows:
8,59
